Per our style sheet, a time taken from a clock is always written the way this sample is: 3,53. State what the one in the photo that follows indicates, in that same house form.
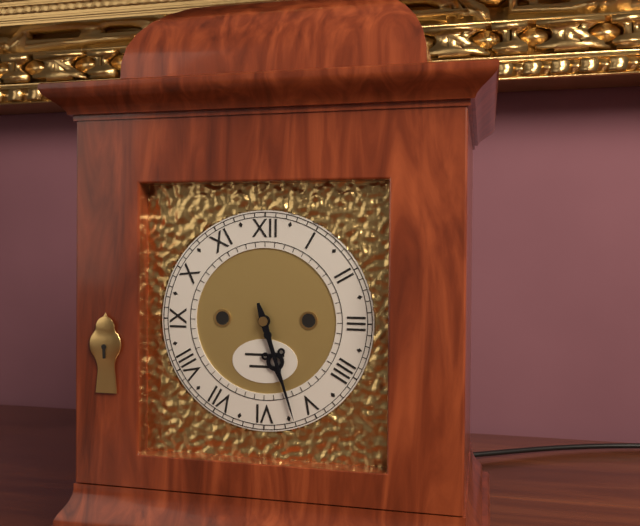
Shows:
5,27
